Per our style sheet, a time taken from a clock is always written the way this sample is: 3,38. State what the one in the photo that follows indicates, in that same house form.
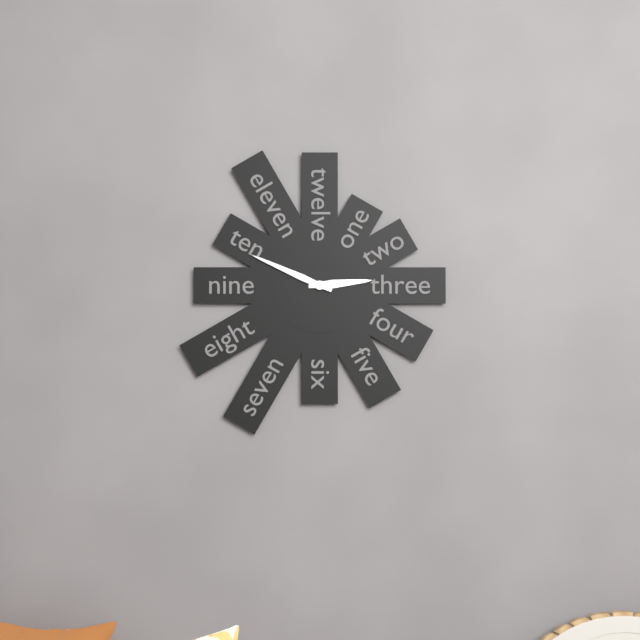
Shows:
2,49
